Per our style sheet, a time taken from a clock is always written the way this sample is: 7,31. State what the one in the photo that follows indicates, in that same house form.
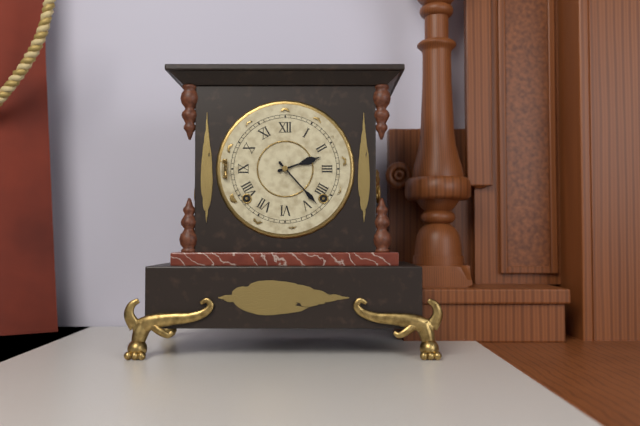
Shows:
2,23
